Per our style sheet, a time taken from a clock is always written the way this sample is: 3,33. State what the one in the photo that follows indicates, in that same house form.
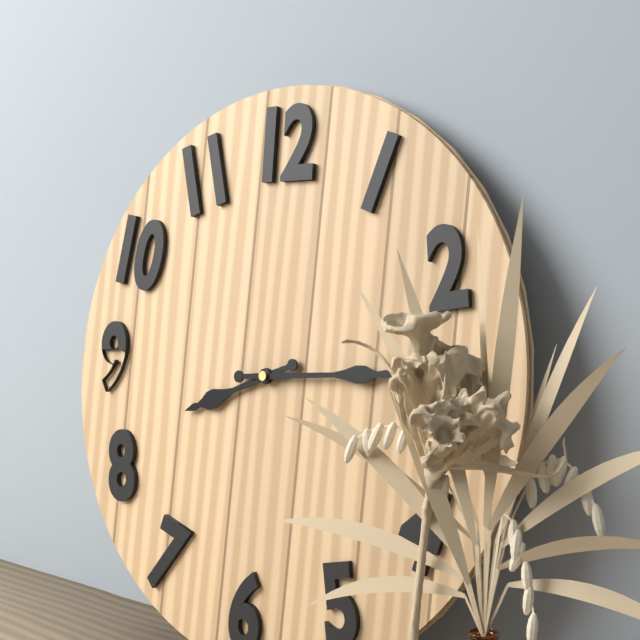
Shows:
8,14
